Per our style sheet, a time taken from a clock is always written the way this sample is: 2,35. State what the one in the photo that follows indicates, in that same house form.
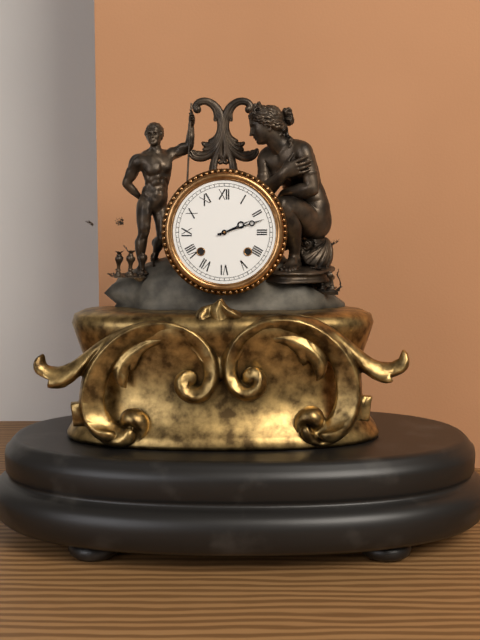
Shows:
2,12
